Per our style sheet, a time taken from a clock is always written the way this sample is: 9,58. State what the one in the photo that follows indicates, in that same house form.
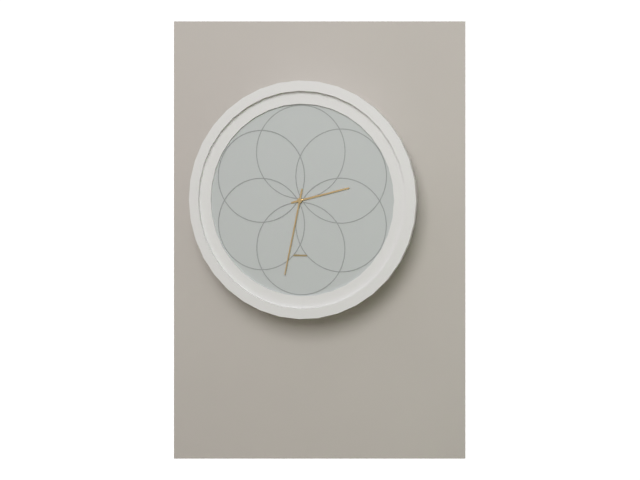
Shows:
2,32
